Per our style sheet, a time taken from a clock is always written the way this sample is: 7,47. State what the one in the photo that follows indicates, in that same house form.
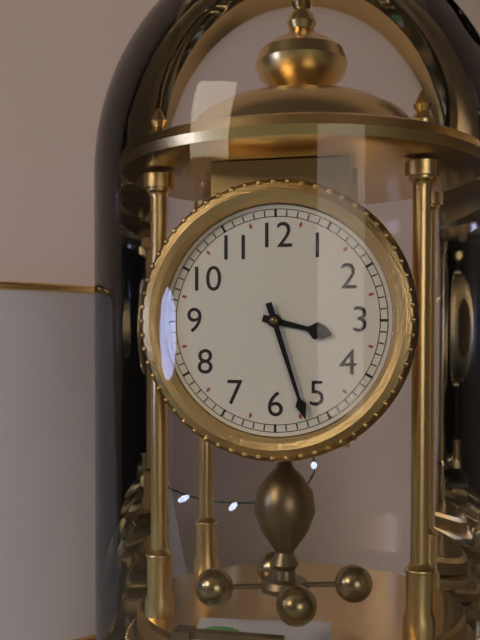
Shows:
3,27
